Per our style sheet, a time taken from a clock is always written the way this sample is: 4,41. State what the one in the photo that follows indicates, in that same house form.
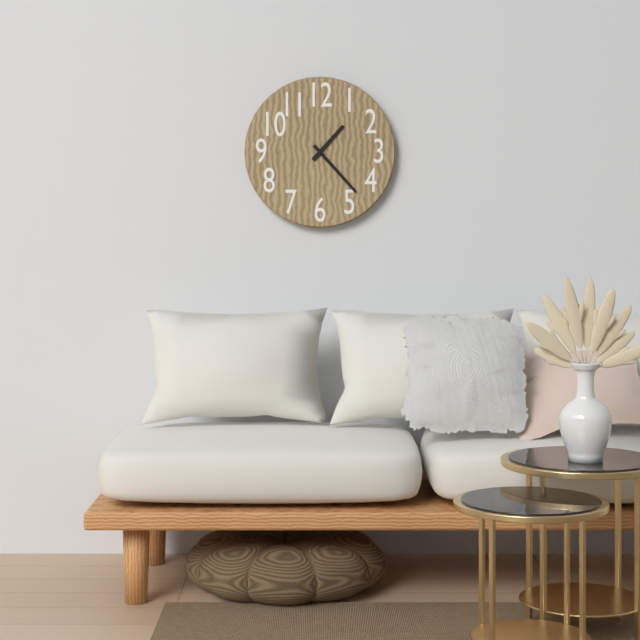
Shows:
1,23
